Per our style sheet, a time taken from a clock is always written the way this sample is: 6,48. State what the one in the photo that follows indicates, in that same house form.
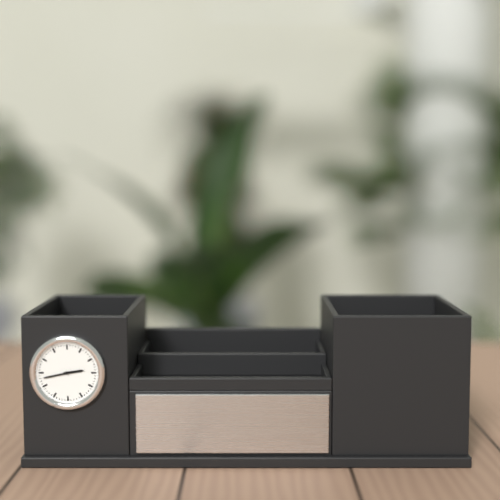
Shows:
2,43
